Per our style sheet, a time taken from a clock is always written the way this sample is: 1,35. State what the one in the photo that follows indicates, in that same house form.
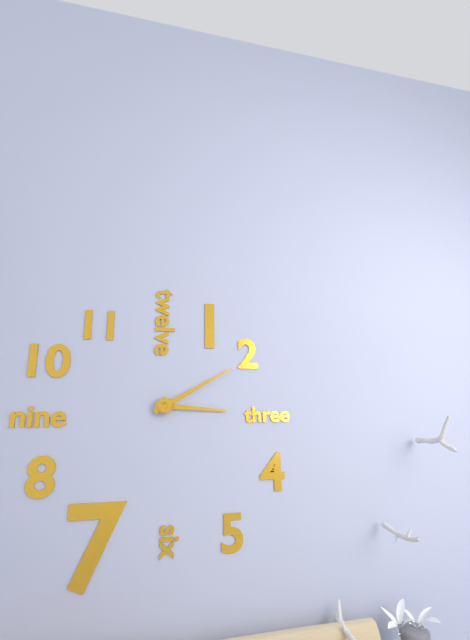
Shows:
3,10
